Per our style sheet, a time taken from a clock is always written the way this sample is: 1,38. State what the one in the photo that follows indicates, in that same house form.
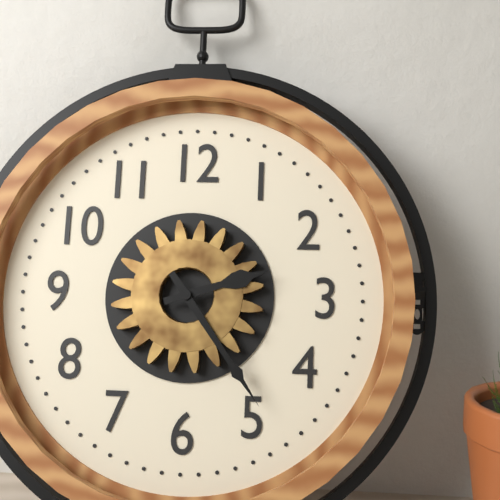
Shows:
2,24
